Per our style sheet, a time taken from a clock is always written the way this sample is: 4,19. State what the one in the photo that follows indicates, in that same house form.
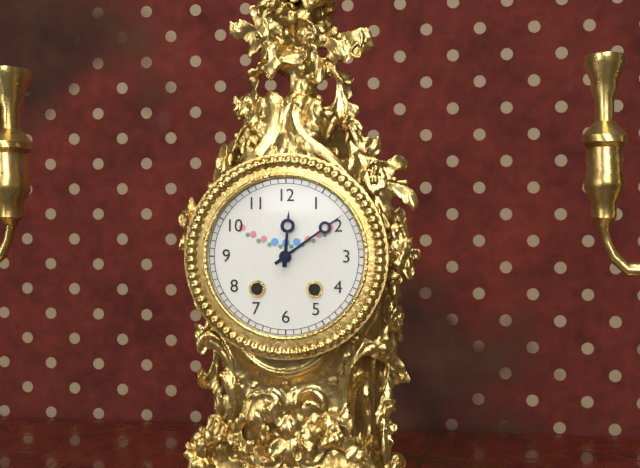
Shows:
12,09
